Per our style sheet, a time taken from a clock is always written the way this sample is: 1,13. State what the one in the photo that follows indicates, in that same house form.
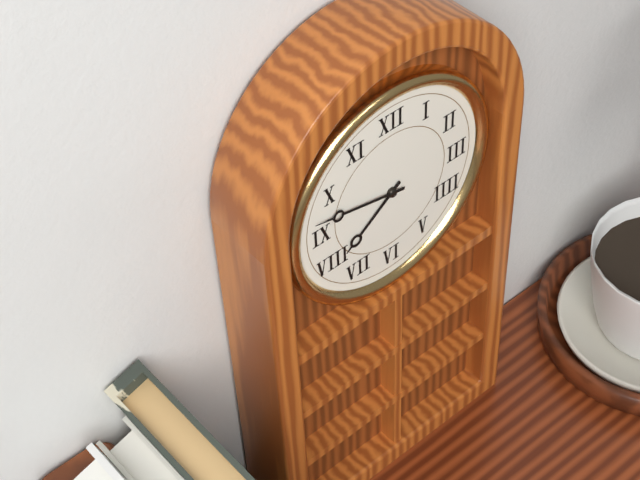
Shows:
7,47
